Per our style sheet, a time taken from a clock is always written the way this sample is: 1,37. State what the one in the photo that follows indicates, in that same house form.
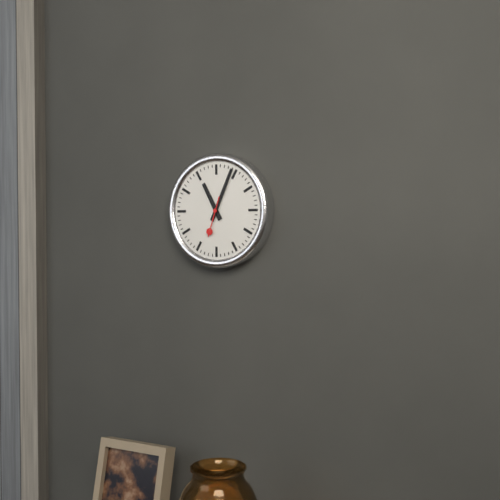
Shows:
11,04
